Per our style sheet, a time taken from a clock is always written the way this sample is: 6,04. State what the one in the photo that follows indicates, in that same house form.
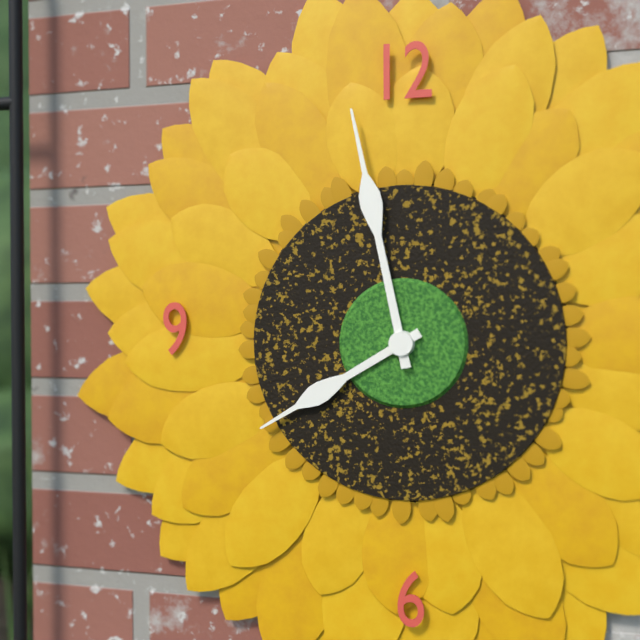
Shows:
7,58
